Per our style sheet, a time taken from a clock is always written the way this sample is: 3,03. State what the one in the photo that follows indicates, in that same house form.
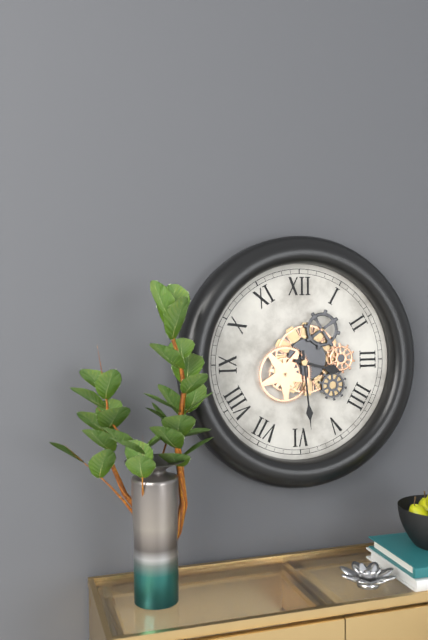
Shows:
3,29
